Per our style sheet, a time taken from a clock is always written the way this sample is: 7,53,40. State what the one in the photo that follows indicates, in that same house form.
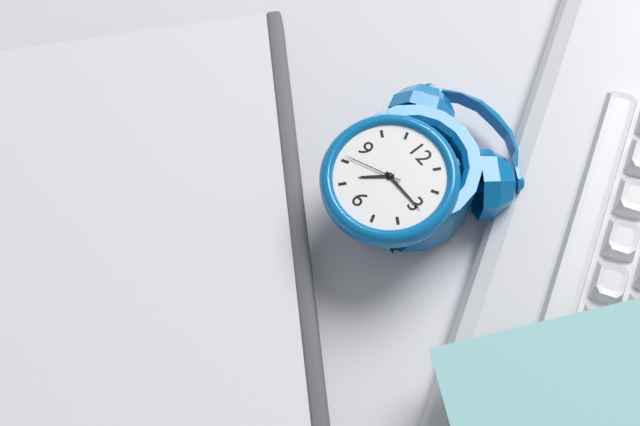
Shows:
7,15,41
